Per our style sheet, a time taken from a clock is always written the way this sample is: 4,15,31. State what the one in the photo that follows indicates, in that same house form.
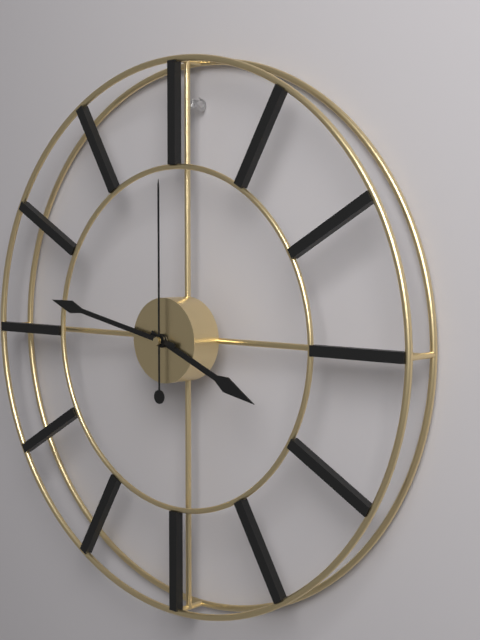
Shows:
3,47,00
